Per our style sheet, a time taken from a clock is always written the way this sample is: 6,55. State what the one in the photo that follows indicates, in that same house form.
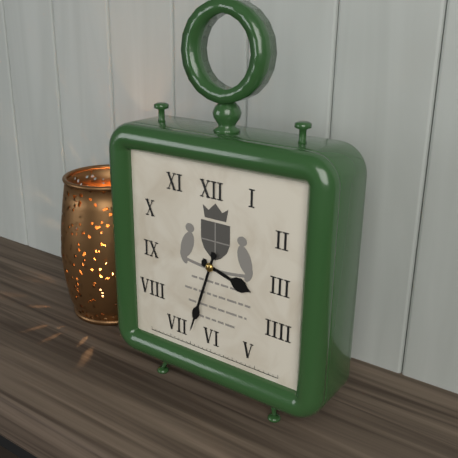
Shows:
3,33
